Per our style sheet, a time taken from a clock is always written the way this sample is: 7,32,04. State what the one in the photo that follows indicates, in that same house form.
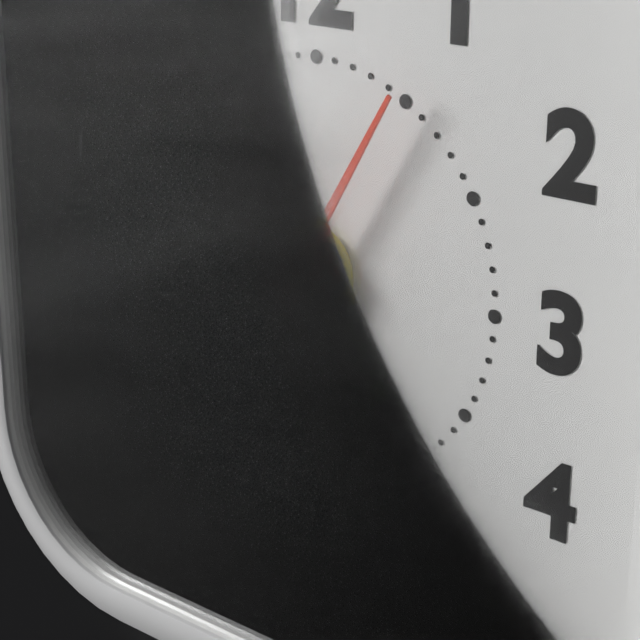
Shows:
4,50,05
